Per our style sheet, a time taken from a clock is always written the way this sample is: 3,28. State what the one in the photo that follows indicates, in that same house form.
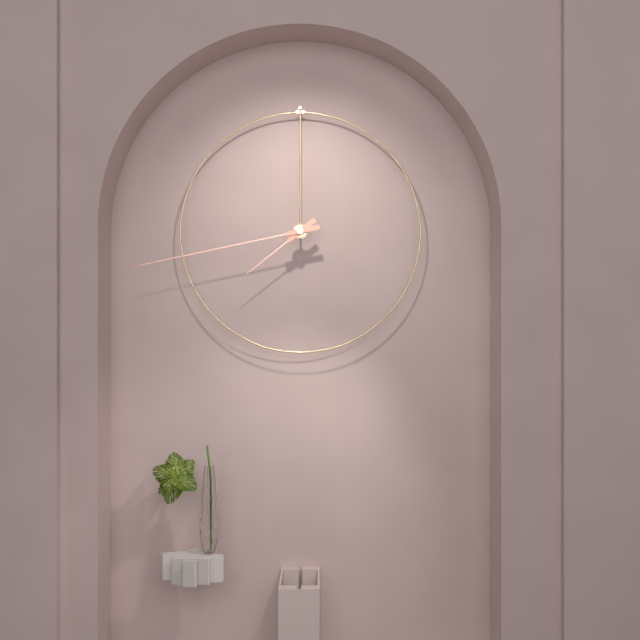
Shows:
7,43
